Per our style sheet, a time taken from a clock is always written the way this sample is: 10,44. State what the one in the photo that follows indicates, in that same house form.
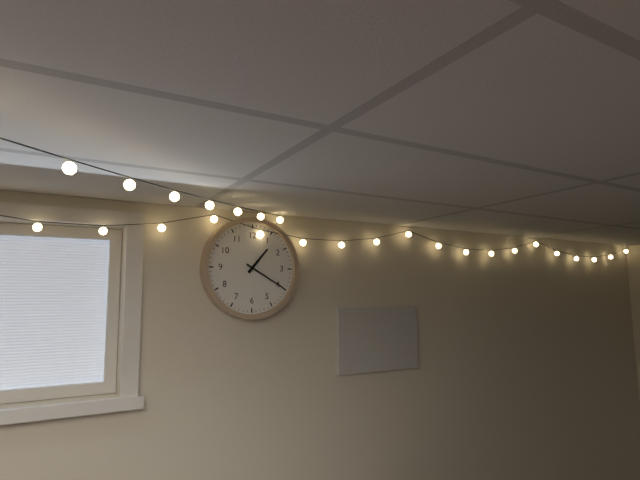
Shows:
1,20
